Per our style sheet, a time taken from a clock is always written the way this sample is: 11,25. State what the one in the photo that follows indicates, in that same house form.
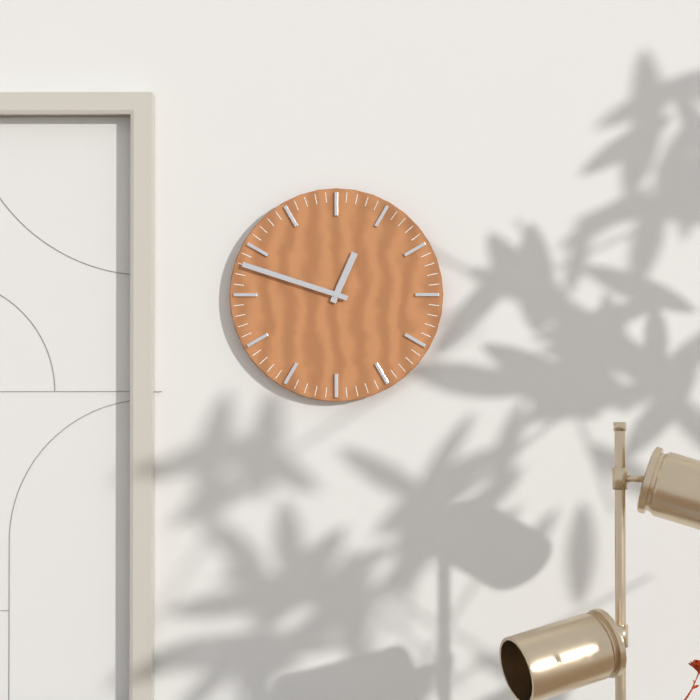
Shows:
12,48
